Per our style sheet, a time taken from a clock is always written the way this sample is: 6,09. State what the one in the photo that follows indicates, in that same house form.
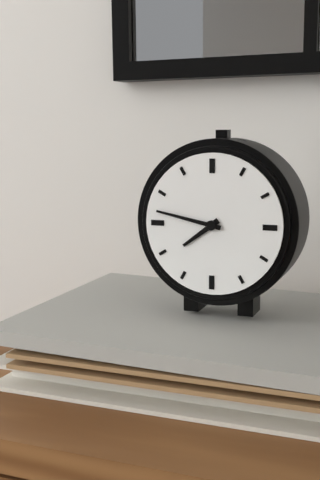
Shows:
7,47
